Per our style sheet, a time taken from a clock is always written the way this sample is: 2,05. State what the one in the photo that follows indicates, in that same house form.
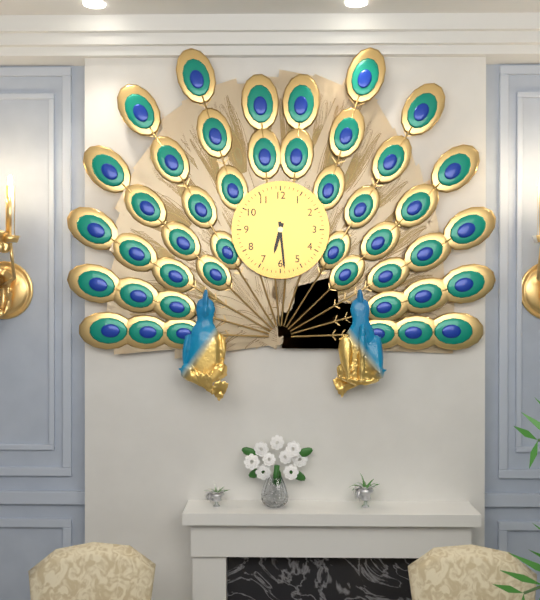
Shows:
6,29
